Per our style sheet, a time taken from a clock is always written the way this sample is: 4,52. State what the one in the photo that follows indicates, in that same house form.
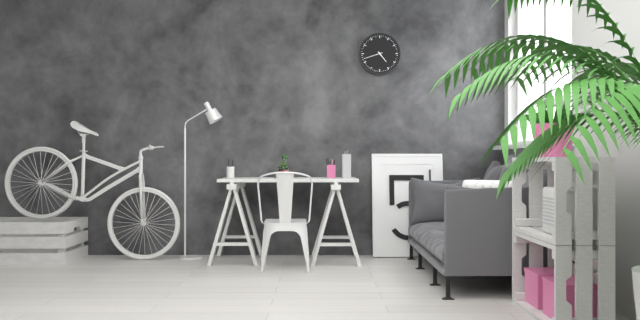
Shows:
4,42
